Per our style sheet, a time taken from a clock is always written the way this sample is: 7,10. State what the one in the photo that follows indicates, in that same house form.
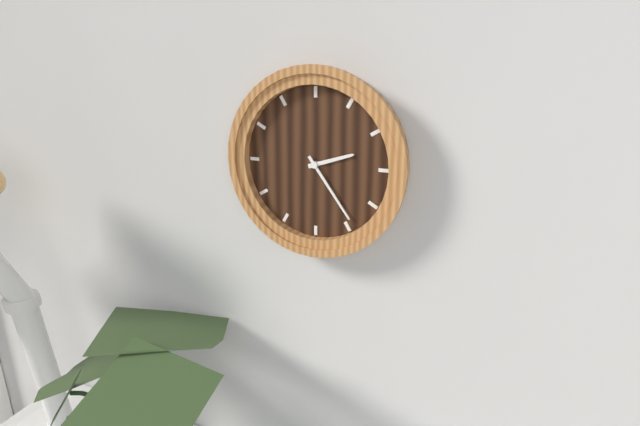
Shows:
2,24
